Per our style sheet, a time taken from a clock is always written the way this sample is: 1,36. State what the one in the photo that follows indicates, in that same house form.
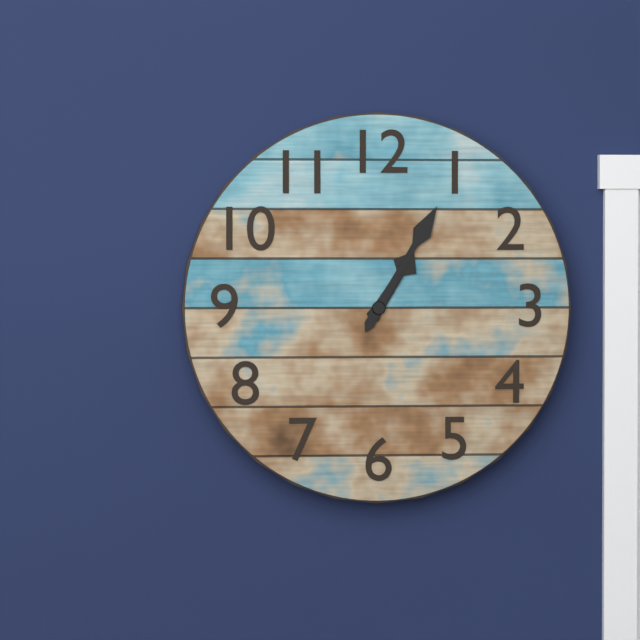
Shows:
1,05
